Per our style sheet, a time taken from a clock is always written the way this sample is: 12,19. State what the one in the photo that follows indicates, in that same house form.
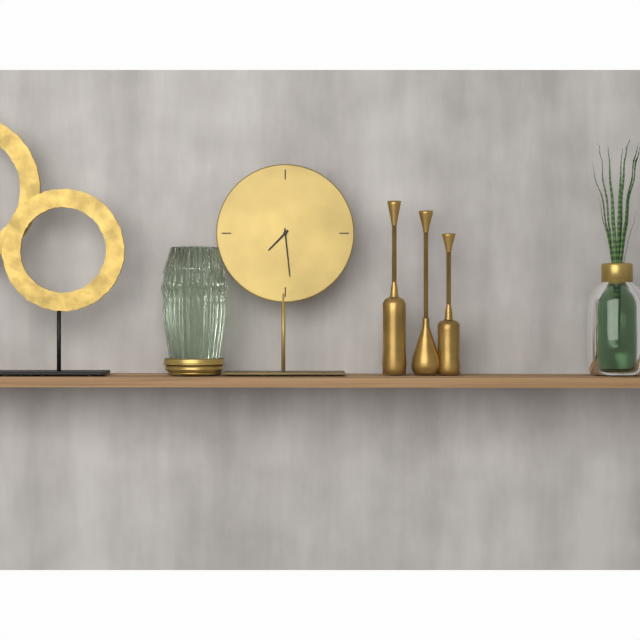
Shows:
7,29
